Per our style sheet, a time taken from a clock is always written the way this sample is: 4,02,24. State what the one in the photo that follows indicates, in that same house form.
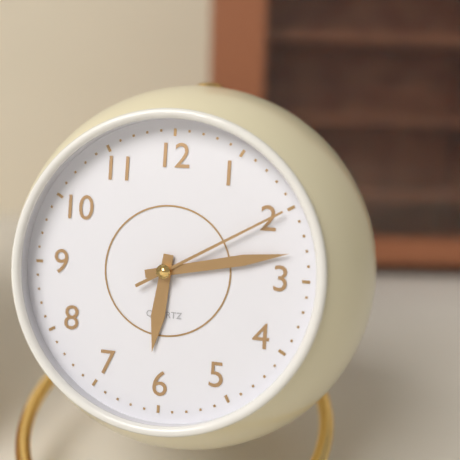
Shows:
6,13,10
